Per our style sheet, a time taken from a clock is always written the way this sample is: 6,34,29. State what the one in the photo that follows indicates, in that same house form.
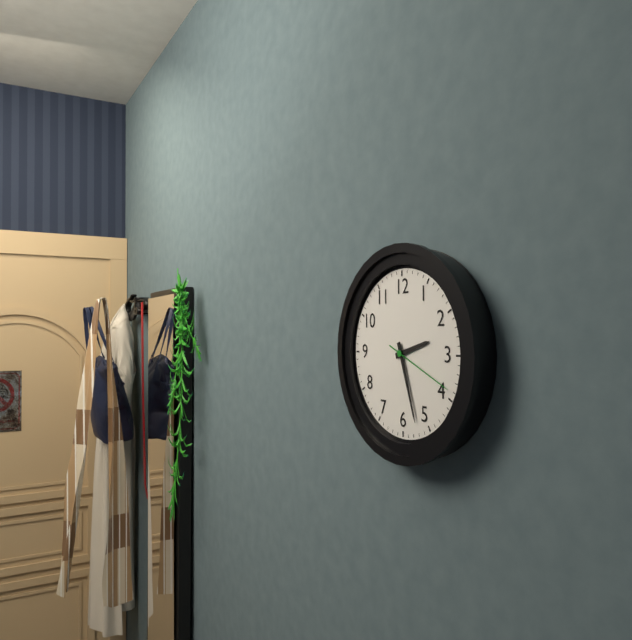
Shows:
2,27,19
